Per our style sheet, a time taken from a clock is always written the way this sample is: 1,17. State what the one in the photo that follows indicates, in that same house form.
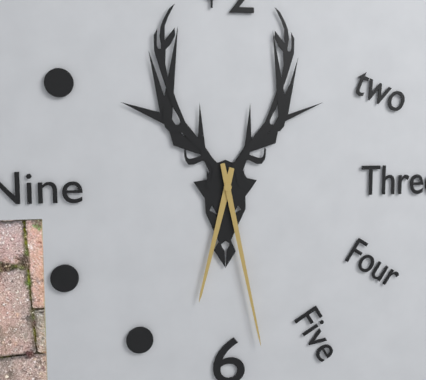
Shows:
6,28
